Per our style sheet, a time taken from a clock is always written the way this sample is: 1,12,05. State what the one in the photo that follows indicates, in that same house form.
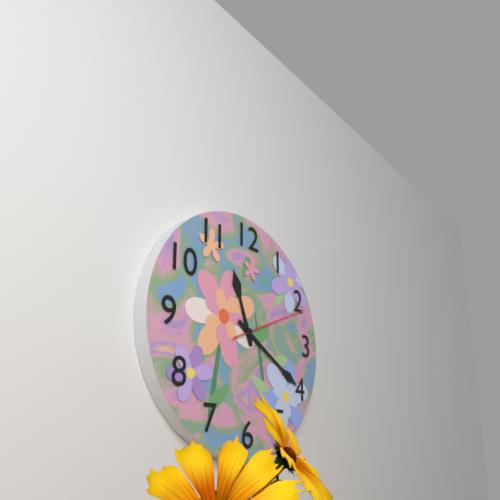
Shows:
11,20,11
